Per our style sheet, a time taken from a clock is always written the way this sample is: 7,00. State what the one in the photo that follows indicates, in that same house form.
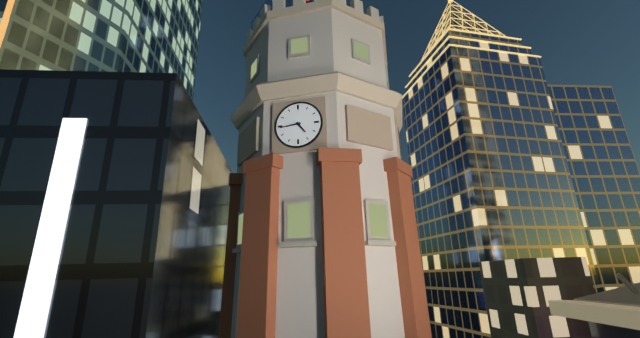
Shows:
4,44
